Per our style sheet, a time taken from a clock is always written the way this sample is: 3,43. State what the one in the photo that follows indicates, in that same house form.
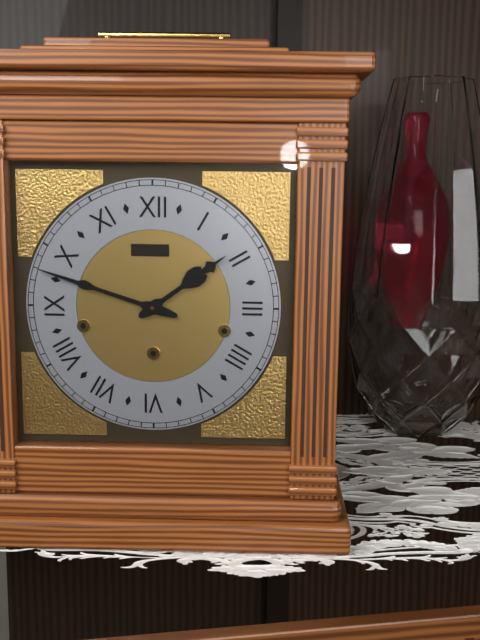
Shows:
1,48
